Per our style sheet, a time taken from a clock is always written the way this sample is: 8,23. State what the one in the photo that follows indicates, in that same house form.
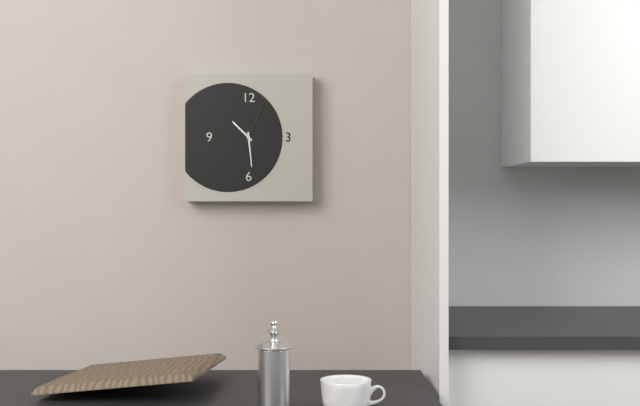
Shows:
10,29
